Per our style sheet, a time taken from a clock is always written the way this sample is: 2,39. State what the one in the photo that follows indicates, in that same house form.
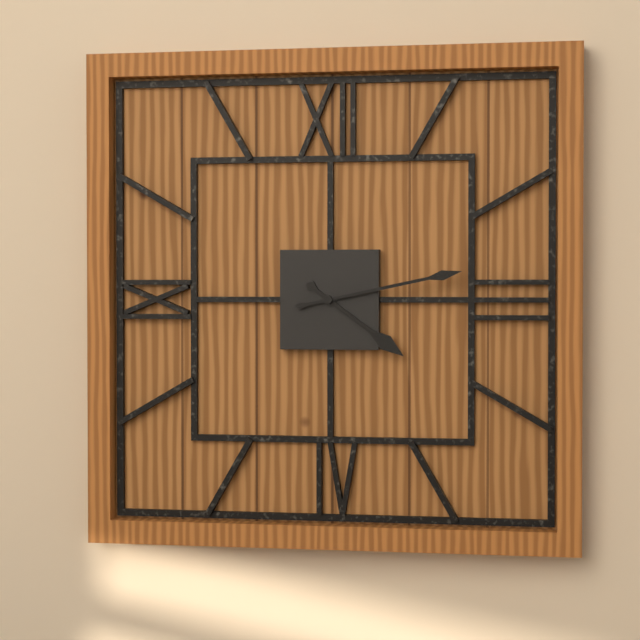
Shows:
4,13
